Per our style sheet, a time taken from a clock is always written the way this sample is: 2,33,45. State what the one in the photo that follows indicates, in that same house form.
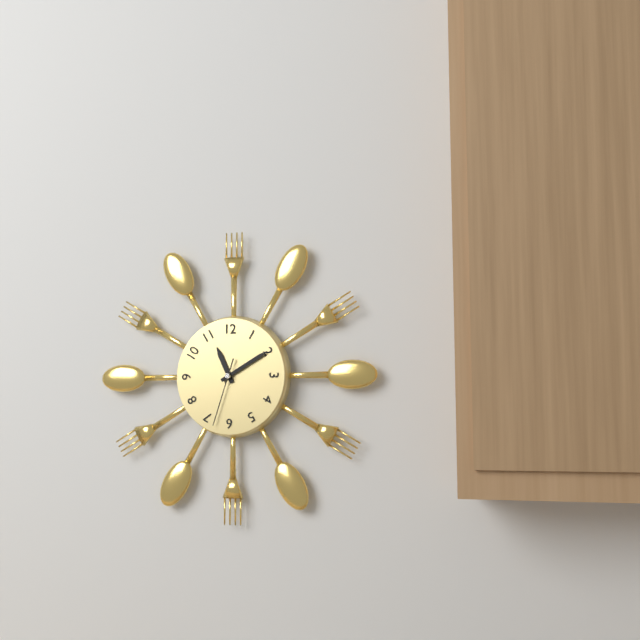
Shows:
11,10,33
